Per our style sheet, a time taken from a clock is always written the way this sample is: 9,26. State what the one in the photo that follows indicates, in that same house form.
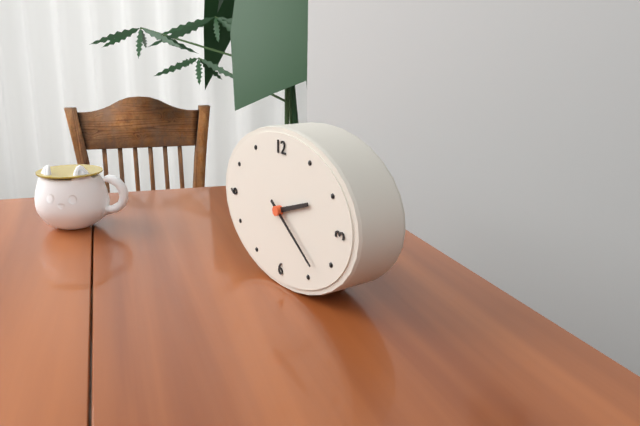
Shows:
2,21
